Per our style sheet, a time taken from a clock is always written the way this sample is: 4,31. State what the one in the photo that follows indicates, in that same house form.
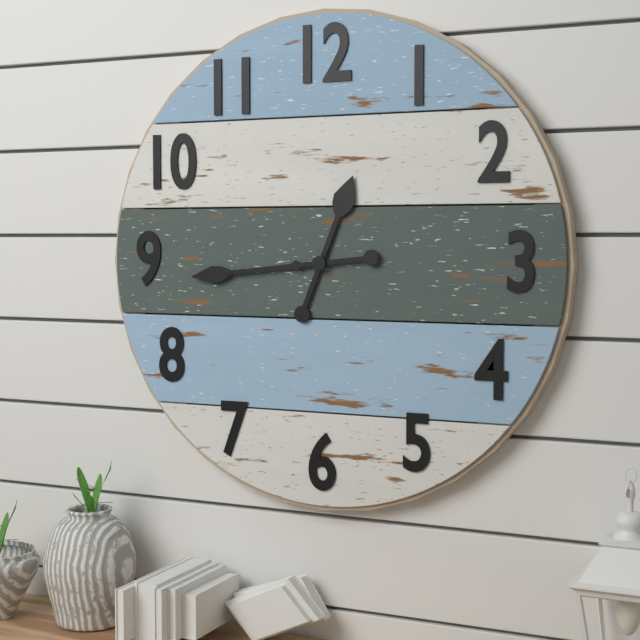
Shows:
12,44
